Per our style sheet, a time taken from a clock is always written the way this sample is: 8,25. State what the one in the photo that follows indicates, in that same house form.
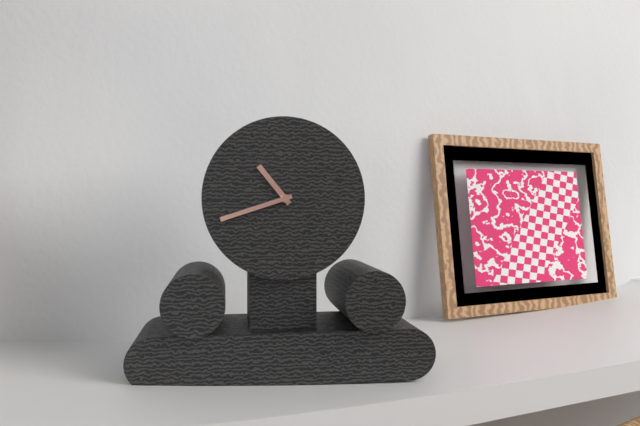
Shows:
10,42
